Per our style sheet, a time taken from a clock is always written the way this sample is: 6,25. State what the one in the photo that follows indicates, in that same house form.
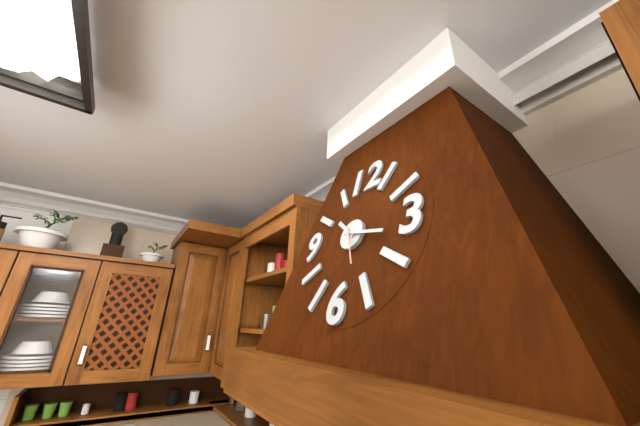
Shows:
10,17
